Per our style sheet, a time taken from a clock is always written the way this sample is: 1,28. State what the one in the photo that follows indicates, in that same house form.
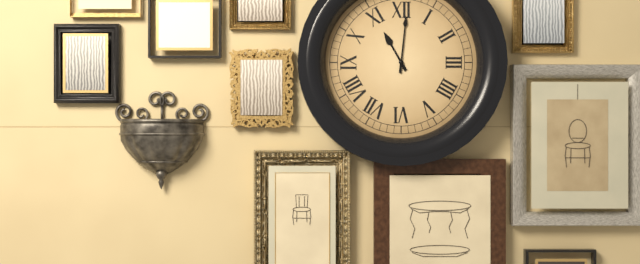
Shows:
11,01
